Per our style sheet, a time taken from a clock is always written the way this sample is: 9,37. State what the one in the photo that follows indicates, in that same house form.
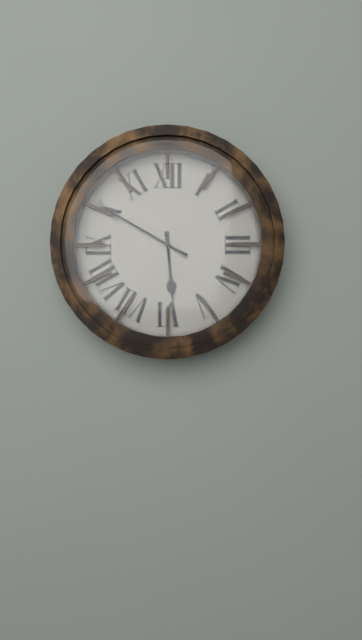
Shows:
5,50
